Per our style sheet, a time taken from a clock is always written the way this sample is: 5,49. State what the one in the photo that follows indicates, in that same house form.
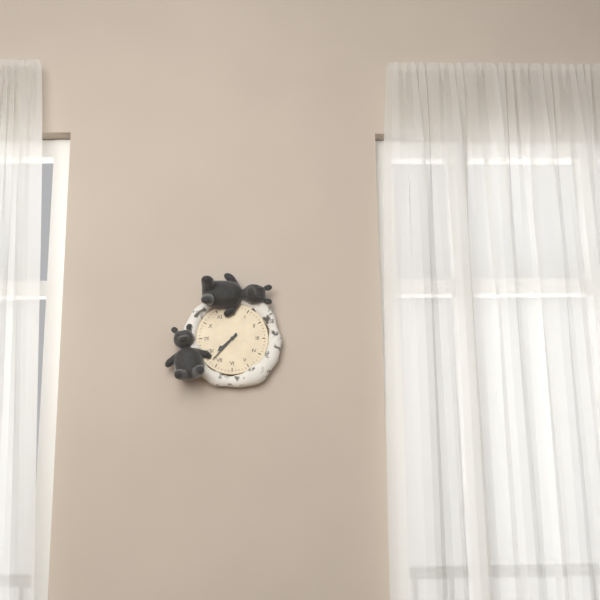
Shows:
7,37
